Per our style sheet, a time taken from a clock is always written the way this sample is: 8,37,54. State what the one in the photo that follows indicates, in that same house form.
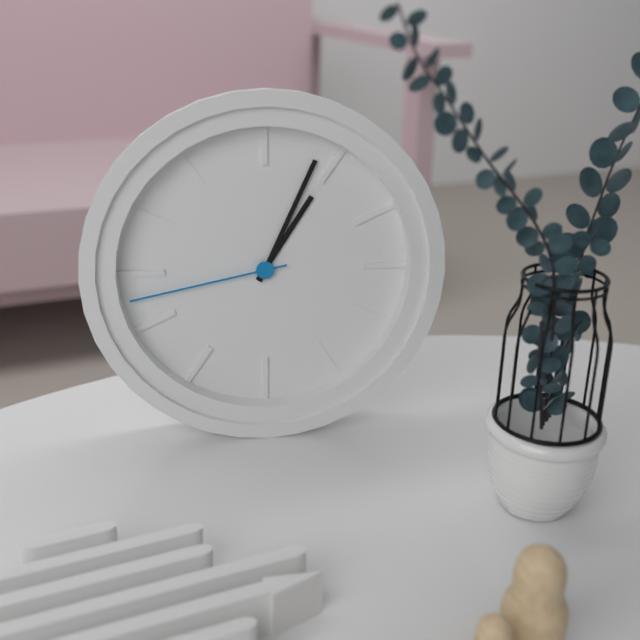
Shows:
1,04,43
